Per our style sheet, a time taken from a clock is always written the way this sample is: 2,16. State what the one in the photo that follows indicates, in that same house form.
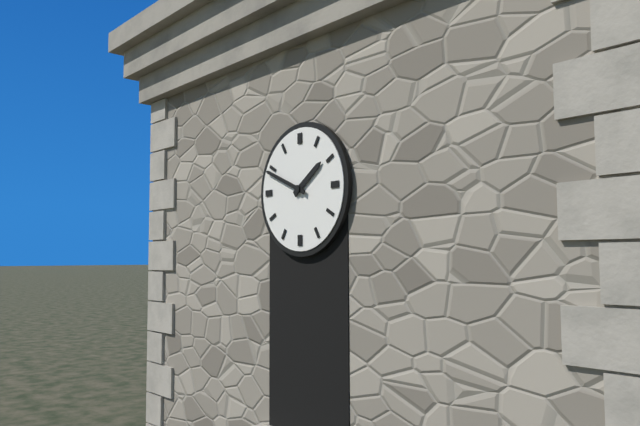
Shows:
1,49
